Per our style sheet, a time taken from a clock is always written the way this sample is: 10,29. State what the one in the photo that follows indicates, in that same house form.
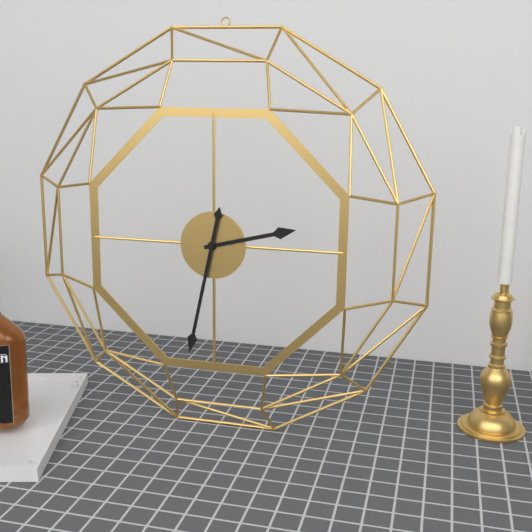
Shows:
2,32
